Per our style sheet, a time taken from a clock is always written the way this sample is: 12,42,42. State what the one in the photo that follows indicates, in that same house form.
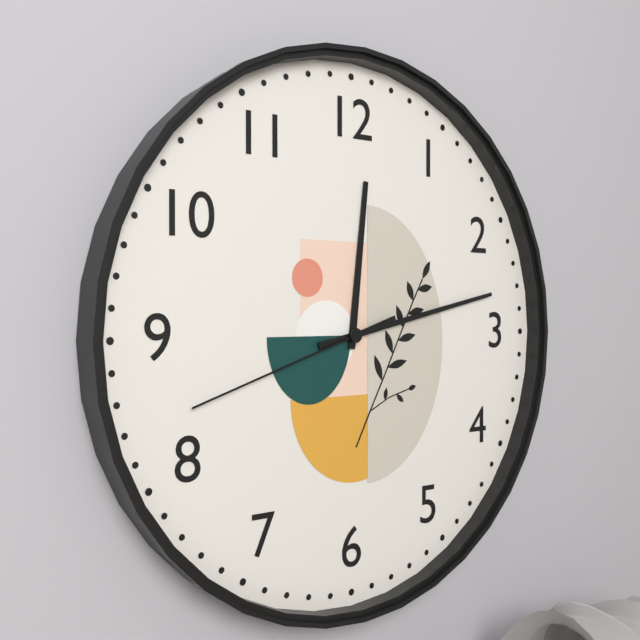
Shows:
12,13,42
